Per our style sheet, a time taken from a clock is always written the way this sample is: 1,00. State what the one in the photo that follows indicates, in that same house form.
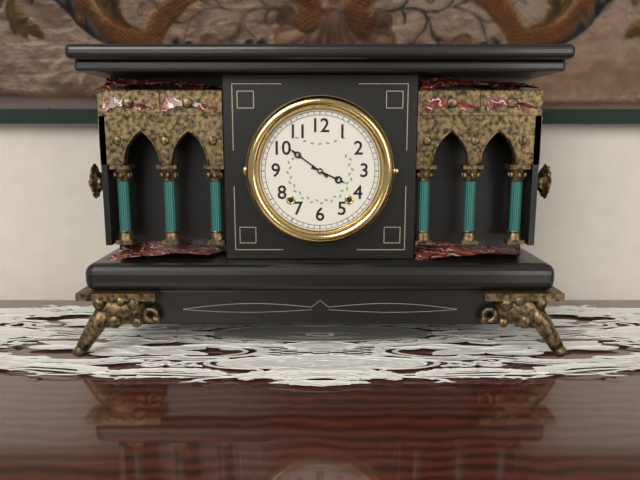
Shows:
3,51
